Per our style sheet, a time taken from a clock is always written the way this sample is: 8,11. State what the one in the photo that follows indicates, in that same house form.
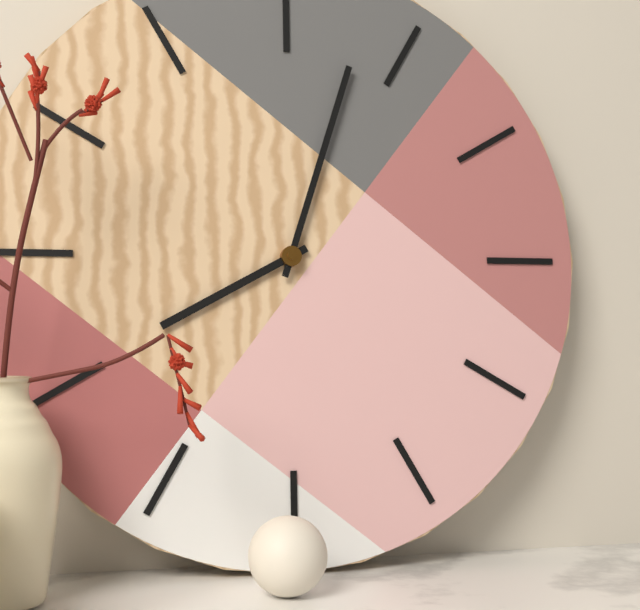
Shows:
8,03
